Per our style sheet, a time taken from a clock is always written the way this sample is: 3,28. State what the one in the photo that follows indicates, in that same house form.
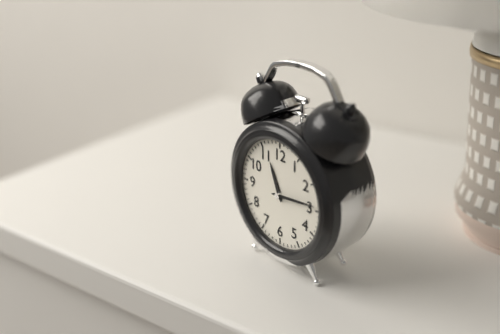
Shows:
11,14
